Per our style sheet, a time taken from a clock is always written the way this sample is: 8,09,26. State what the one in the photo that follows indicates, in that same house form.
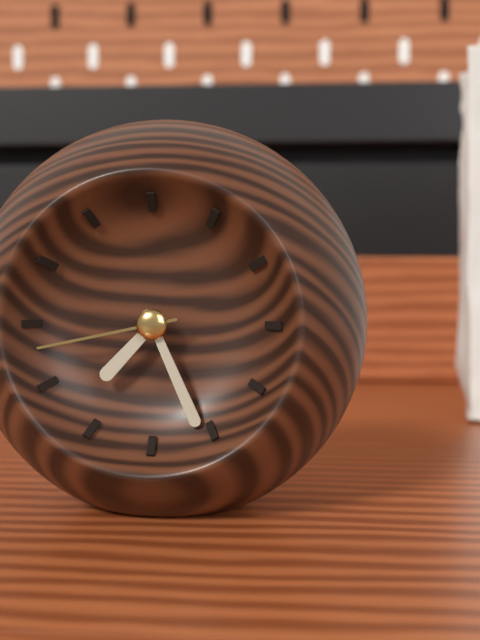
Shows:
7,26,43
